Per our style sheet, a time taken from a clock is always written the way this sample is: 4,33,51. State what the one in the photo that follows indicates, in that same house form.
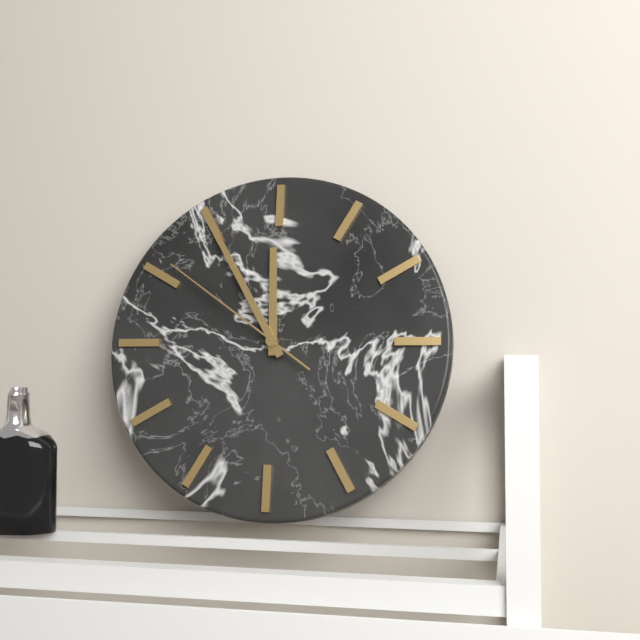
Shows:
11,55,51
